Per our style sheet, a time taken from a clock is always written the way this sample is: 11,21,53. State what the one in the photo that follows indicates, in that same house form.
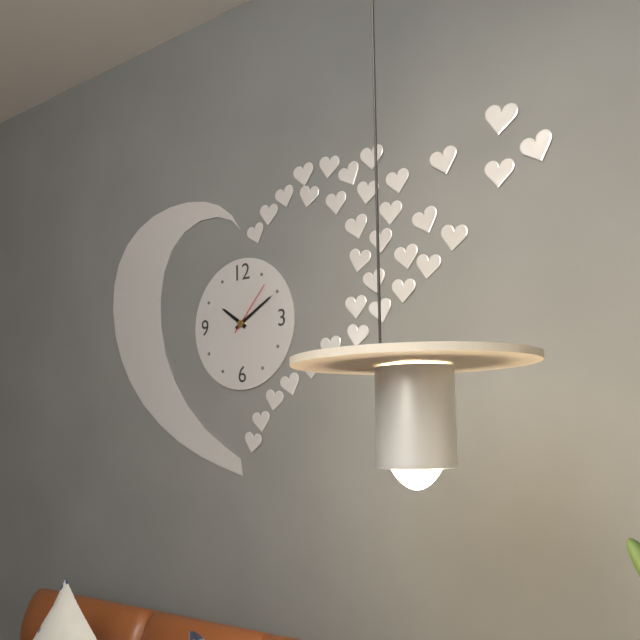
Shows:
10,10,07
